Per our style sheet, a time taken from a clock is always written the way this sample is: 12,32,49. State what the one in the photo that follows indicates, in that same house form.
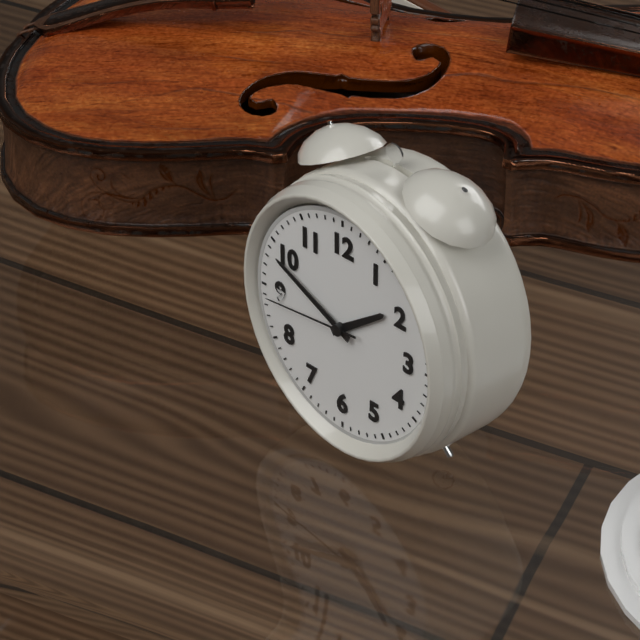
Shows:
1,49,44
